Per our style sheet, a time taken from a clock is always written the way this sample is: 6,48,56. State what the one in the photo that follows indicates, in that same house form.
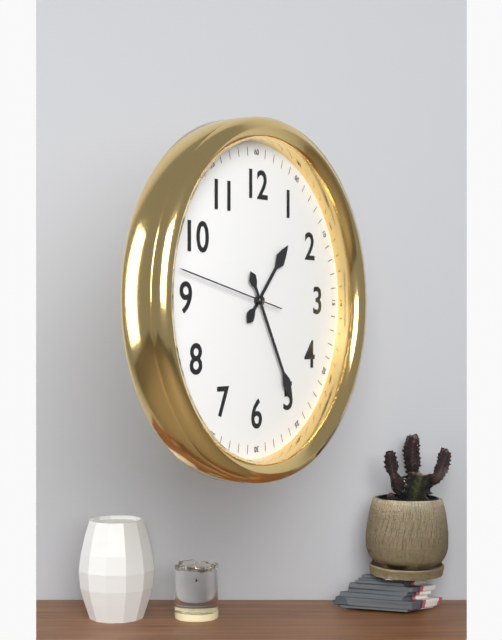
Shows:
1,25,47
